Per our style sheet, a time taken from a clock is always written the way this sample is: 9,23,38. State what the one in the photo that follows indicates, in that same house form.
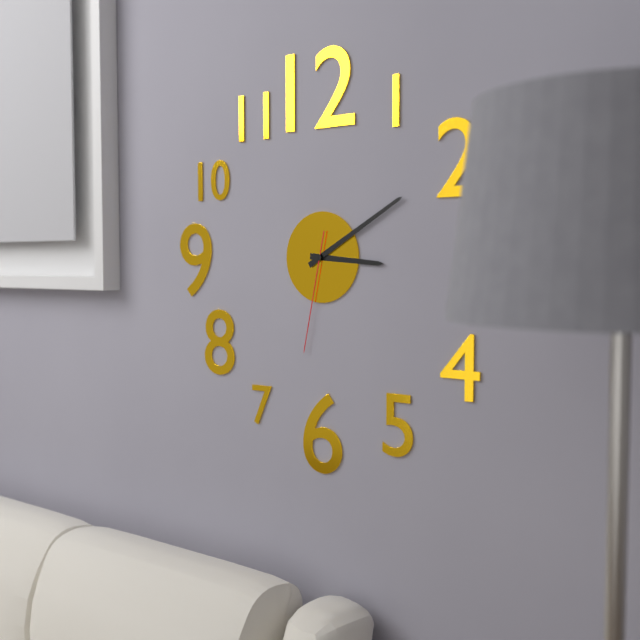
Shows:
3,10,32
